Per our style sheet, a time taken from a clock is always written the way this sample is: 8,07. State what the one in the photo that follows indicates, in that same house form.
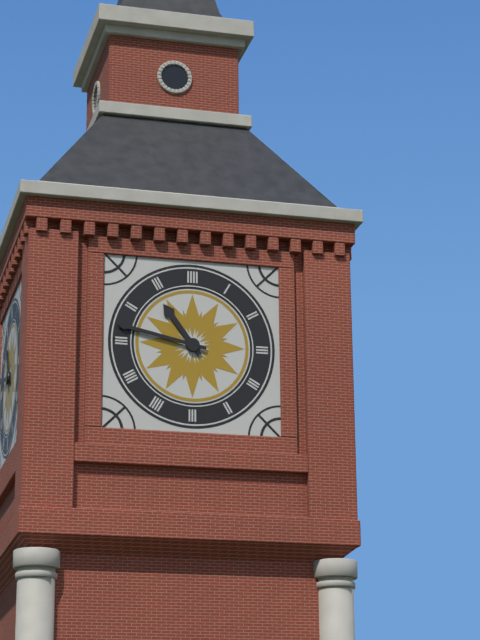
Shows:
10,47
